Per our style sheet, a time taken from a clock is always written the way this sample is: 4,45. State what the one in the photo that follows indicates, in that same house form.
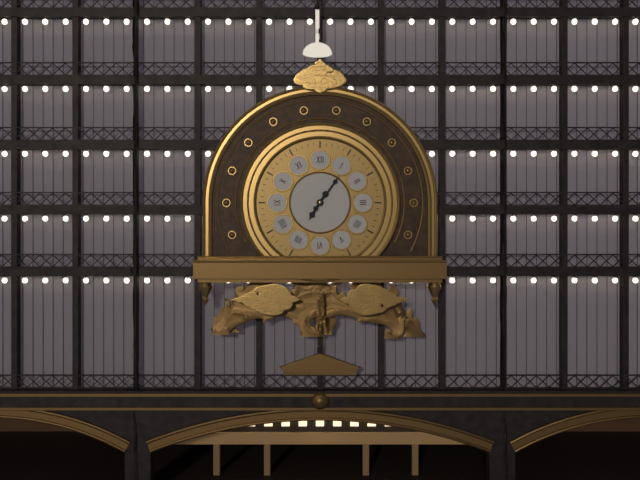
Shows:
7,06
